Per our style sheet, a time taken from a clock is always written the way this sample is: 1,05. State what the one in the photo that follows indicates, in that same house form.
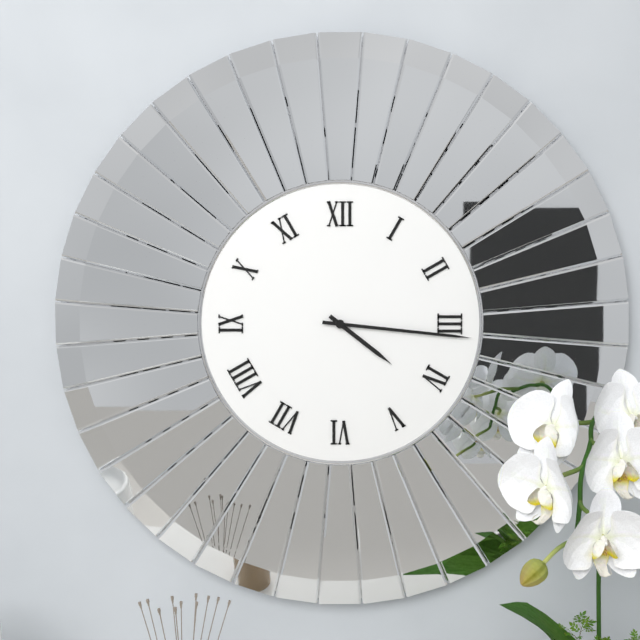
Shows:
4,16
